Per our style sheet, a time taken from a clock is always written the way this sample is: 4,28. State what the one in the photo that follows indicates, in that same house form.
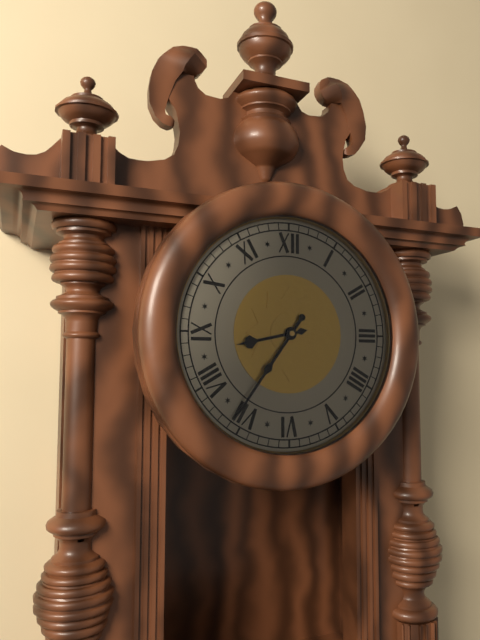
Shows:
8,36
